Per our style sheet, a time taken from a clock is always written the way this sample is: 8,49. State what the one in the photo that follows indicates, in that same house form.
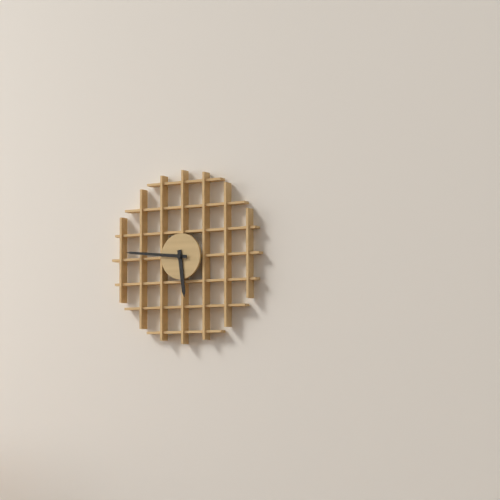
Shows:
5,46
